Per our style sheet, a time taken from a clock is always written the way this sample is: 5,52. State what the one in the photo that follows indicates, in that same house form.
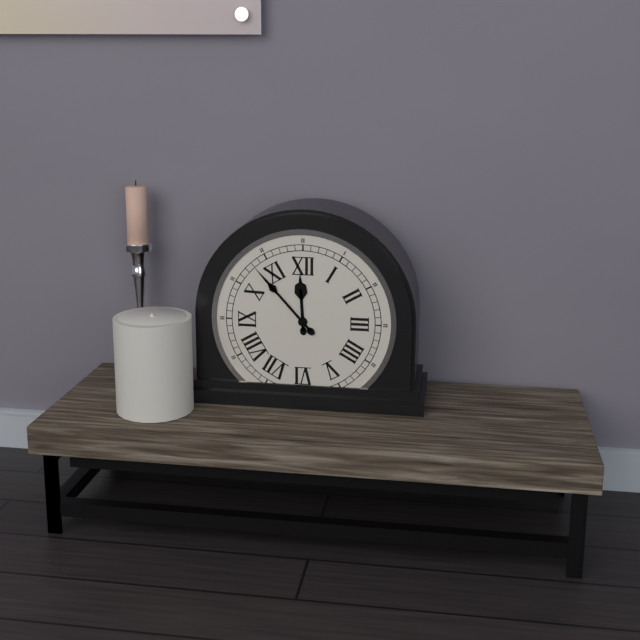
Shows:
11,53
